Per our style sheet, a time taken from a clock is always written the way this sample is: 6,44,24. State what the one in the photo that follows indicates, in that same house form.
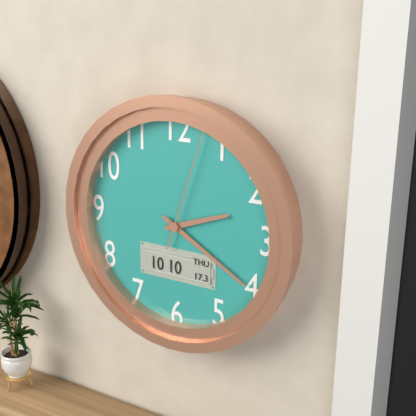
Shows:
2,20,03
